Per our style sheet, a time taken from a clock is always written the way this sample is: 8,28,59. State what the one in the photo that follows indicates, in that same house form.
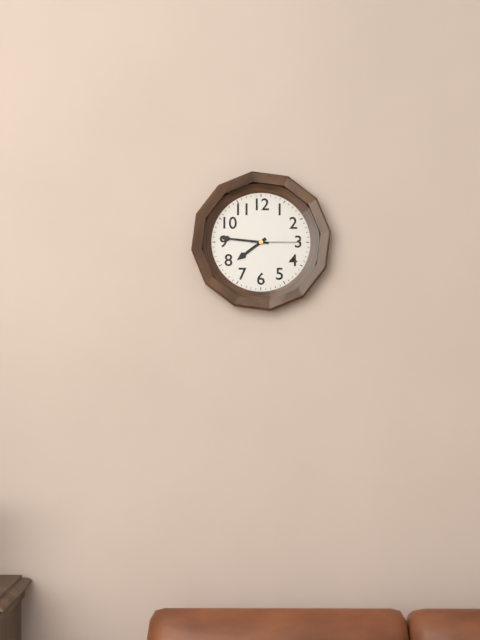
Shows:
7,46,15
